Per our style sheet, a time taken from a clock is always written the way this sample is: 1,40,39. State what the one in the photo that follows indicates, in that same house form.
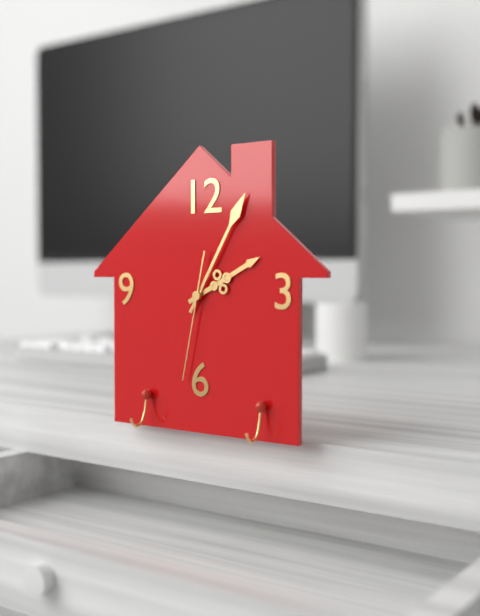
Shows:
2,05,32
